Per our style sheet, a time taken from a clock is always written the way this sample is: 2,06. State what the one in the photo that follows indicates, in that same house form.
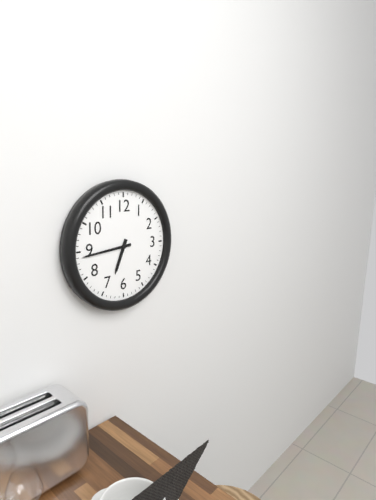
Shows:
6,44
